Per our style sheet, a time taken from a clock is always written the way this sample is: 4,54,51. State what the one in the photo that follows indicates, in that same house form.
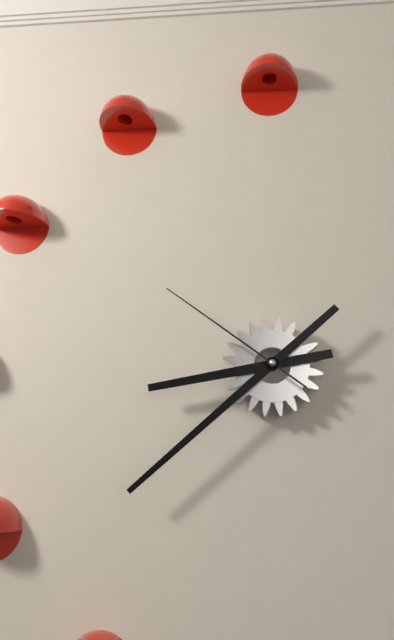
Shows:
8,38,51
